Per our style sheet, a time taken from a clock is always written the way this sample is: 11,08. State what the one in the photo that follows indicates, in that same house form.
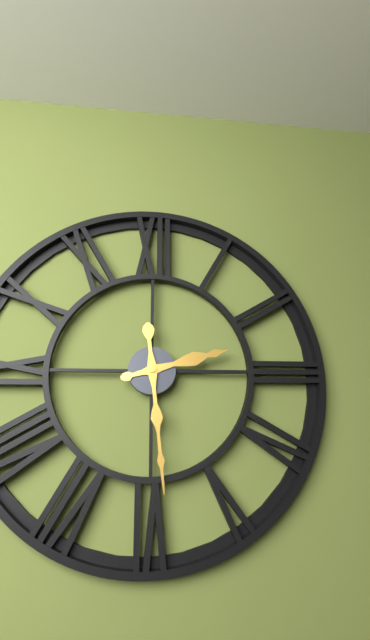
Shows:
2,29
